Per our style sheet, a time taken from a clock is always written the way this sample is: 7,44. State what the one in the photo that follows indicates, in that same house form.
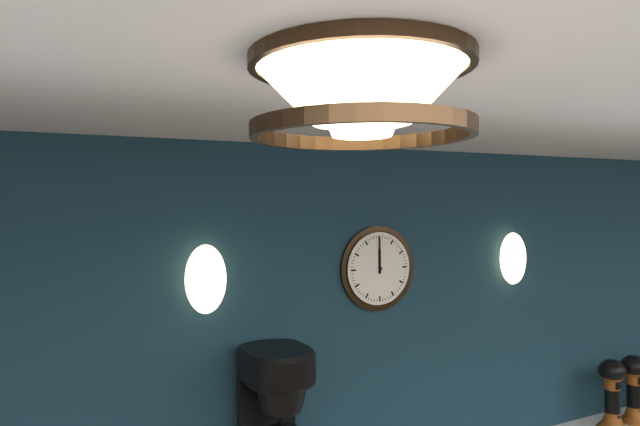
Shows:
12,00
